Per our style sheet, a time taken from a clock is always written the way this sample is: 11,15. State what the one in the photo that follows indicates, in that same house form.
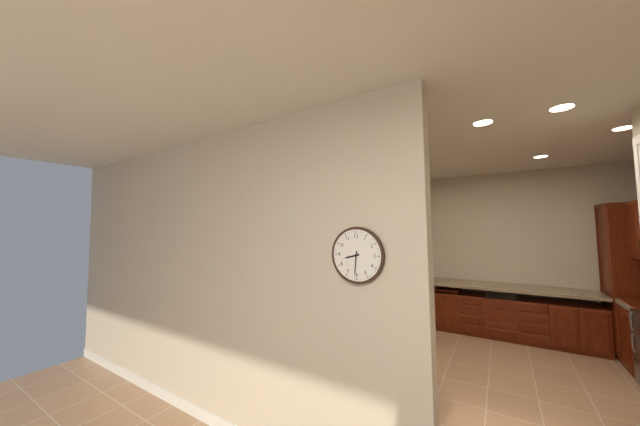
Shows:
8,31
